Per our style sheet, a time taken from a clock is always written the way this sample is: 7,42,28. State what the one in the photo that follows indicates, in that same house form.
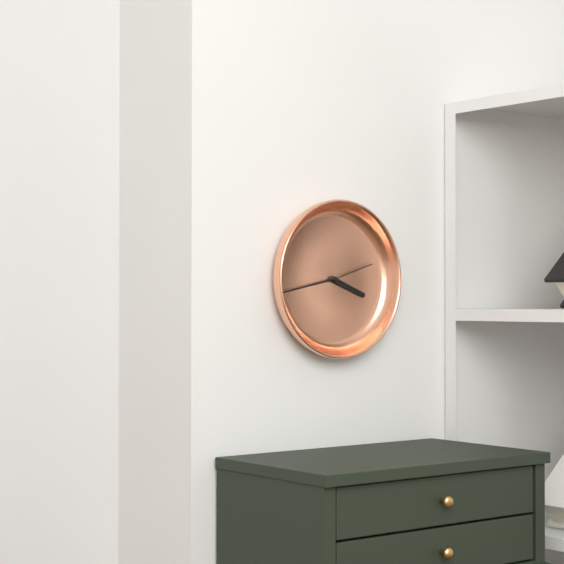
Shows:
3,43,12
